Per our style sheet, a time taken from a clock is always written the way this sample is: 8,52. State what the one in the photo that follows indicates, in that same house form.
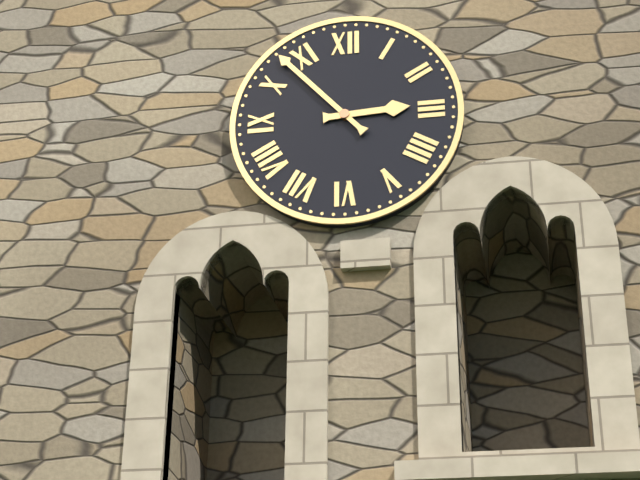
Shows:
2,53
